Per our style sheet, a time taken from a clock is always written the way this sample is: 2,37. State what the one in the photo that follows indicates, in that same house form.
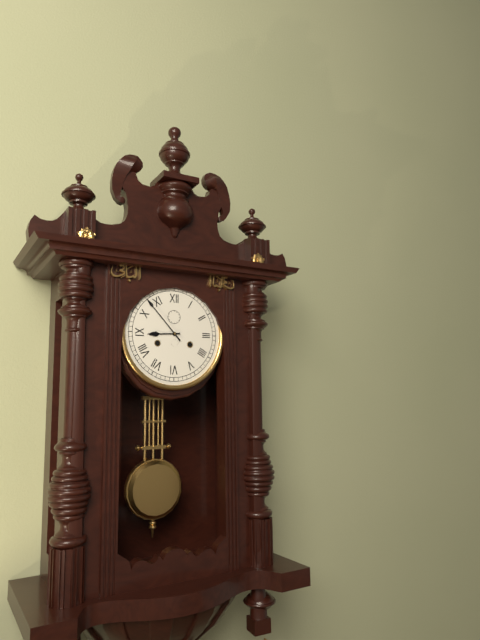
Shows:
8,53
